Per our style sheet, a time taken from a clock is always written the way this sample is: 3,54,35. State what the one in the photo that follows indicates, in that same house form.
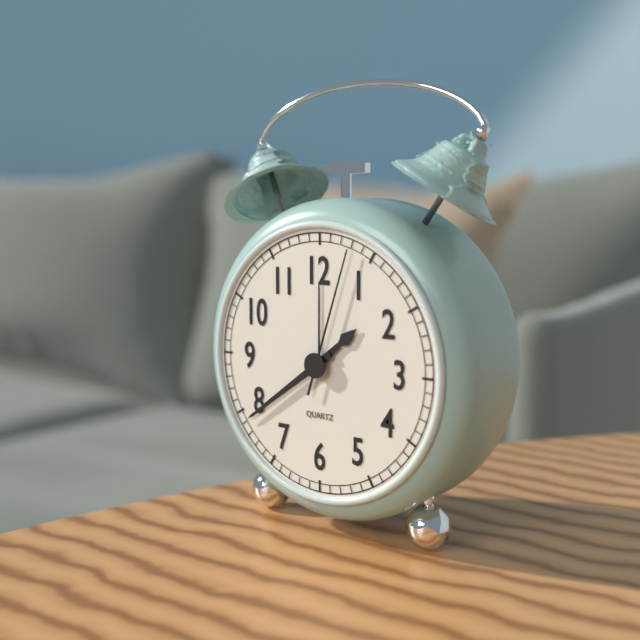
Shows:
1,39,03
